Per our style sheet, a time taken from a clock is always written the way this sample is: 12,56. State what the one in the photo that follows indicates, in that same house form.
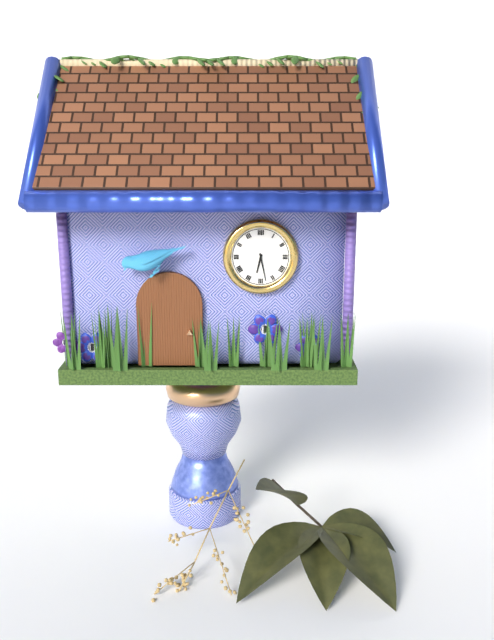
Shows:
6,28
